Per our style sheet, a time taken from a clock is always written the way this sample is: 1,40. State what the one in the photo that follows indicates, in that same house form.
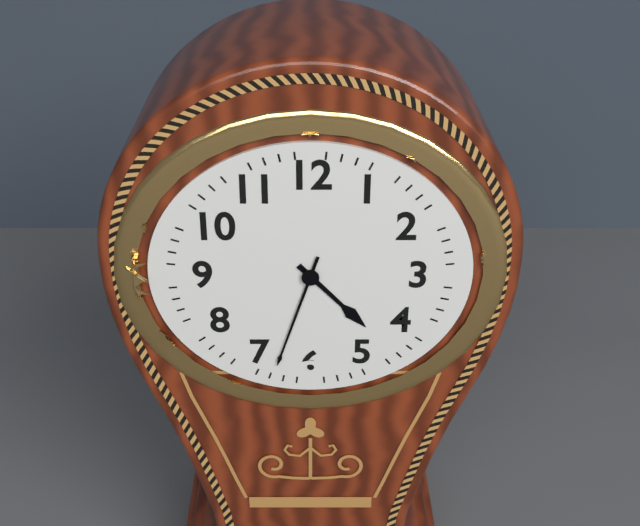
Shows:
4,33
